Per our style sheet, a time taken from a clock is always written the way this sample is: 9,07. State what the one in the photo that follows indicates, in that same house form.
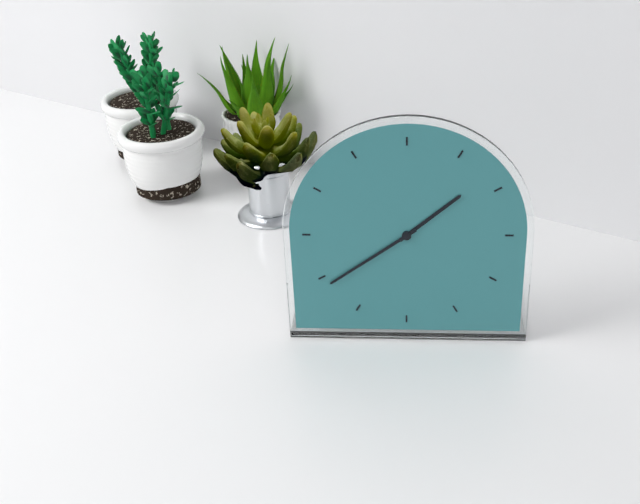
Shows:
1,39
